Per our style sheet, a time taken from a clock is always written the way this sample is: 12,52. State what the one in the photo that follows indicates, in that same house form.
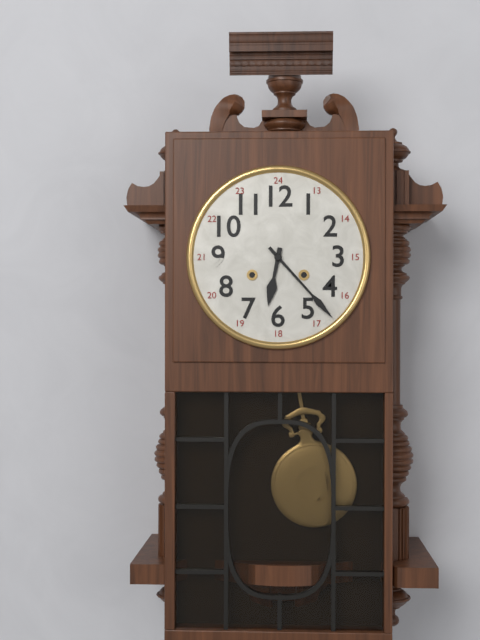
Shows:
6,23
